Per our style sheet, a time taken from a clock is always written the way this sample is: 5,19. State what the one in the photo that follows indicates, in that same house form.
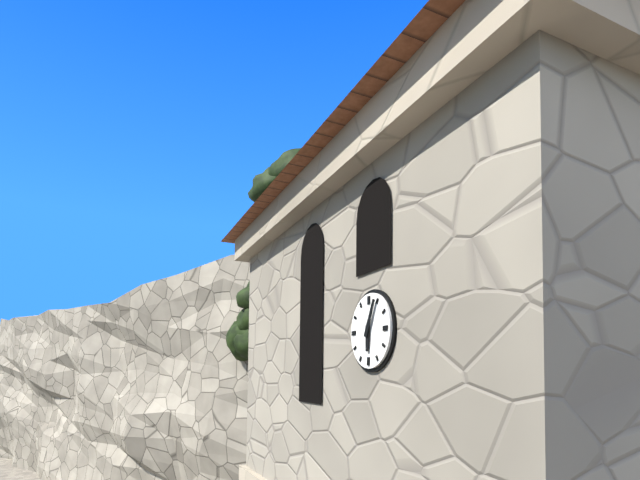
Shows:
6,04
